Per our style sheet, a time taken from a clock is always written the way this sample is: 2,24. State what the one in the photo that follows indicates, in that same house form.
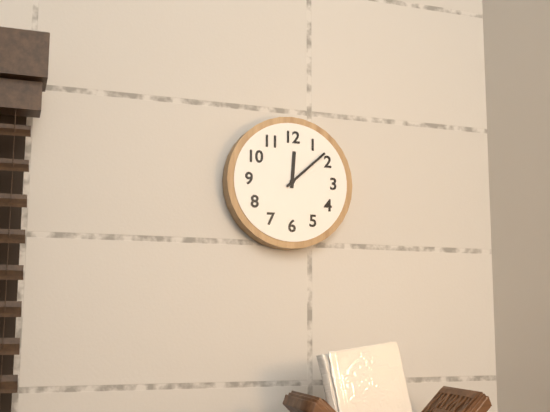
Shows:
12,08
